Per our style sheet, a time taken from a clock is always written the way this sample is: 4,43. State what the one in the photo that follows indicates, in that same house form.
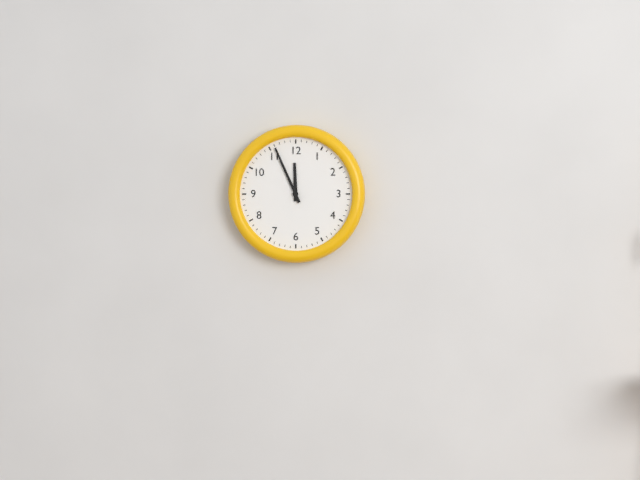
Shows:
11,56
